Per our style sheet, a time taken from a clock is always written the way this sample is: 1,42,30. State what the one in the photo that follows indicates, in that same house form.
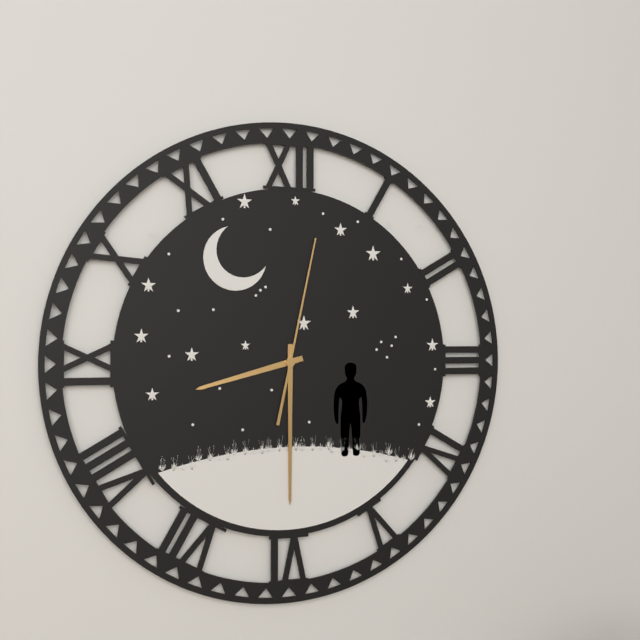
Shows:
8,30,02
